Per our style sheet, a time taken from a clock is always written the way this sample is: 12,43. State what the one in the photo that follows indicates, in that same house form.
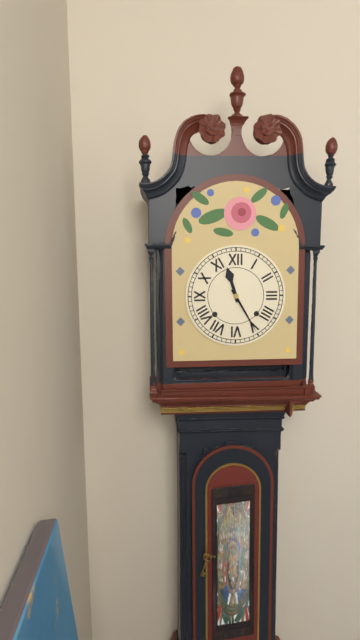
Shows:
11,25
